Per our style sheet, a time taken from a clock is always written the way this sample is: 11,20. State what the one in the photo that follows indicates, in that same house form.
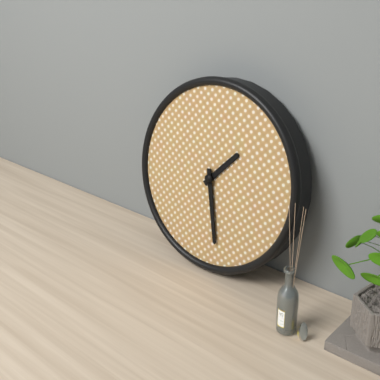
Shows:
1,28
